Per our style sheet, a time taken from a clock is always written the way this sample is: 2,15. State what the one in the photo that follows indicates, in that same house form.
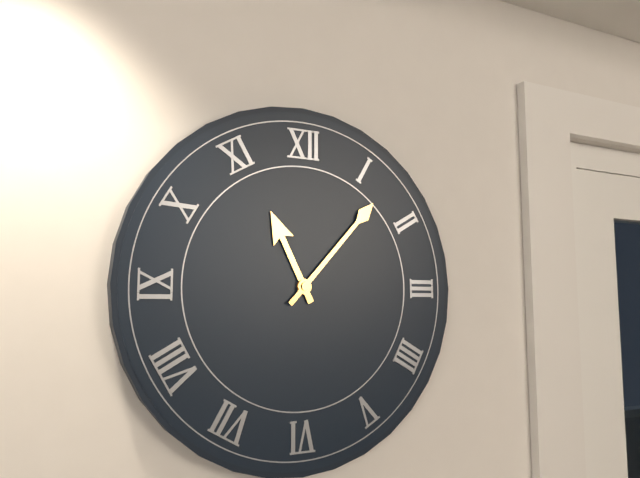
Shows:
11,07
